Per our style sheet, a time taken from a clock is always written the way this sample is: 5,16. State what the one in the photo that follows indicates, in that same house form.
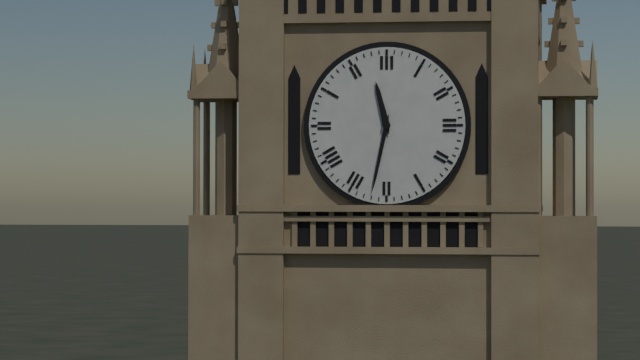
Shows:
11,32
